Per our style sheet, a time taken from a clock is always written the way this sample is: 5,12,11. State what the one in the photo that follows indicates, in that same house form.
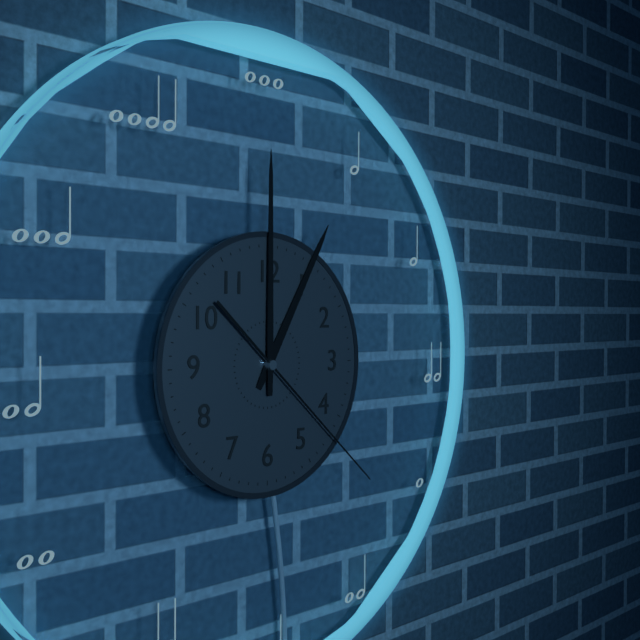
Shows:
1,00,22
